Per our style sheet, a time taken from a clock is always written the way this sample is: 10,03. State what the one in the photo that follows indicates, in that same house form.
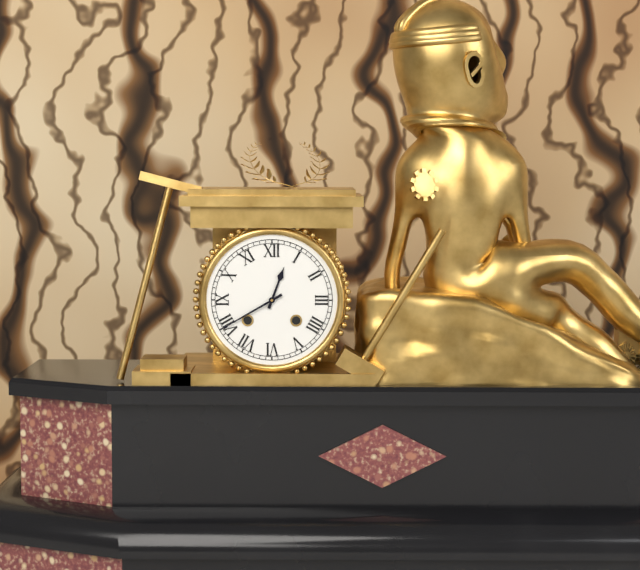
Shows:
12,40
